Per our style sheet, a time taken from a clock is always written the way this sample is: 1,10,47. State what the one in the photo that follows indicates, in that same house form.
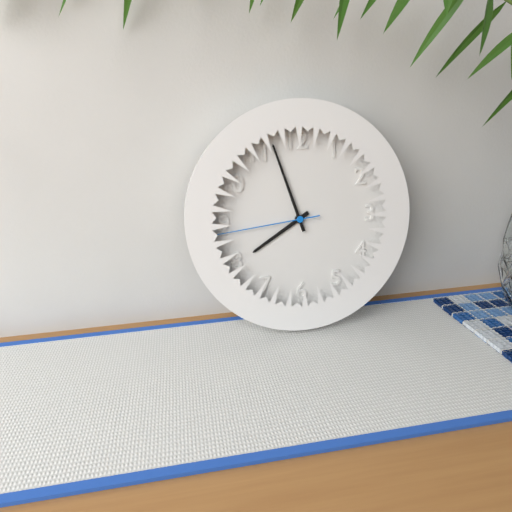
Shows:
7,57,44
